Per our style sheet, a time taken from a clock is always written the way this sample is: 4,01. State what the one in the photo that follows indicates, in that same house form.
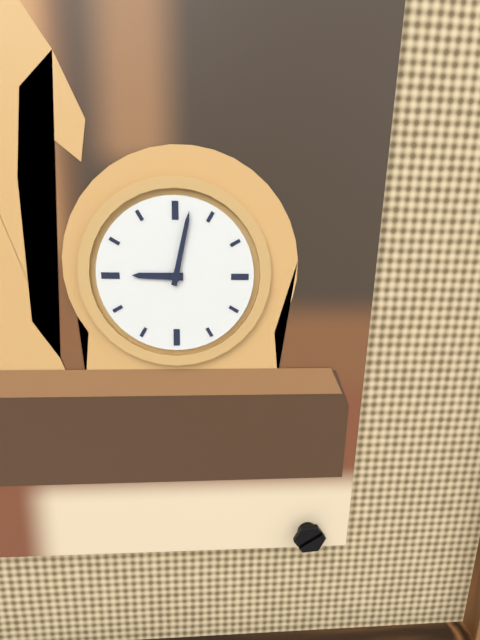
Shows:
9,02
